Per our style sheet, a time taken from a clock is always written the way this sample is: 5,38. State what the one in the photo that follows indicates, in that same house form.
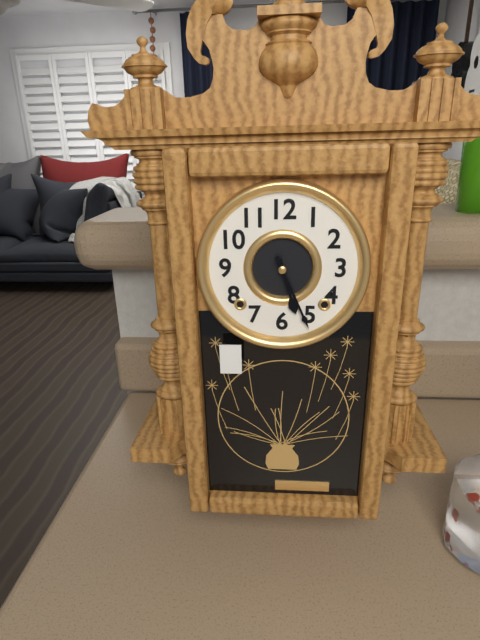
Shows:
5,26
